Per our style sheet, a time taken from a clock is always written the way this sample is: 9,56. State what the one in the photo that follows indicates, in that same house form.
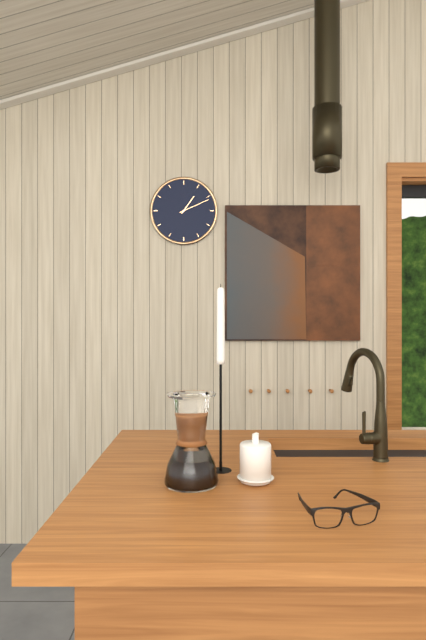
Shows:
1,11
